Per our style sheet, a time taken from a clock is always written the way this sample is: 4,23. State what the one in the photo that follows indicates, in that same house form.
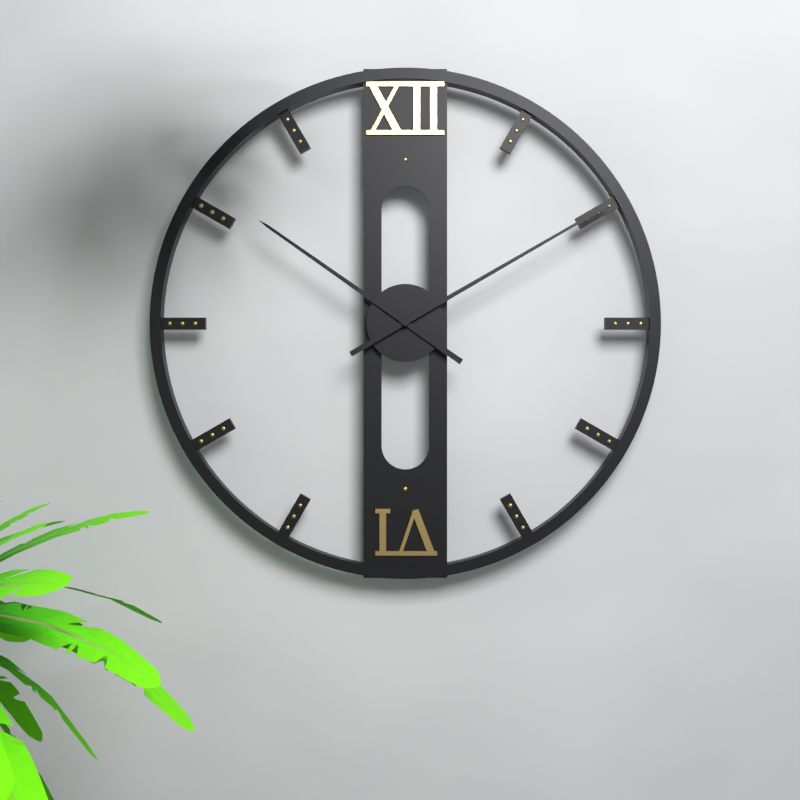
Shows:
10,10
